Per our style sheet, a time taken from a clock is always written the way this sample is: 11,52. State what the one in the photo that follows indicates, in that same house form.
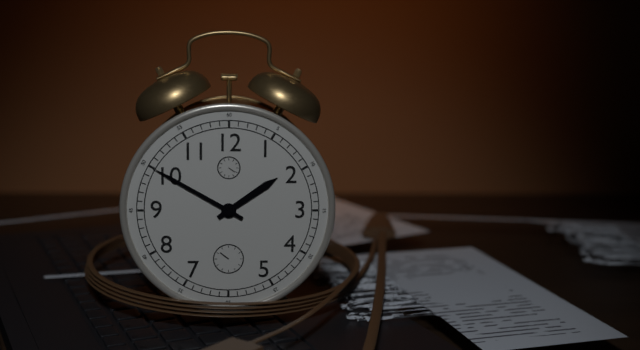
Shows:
1,50
